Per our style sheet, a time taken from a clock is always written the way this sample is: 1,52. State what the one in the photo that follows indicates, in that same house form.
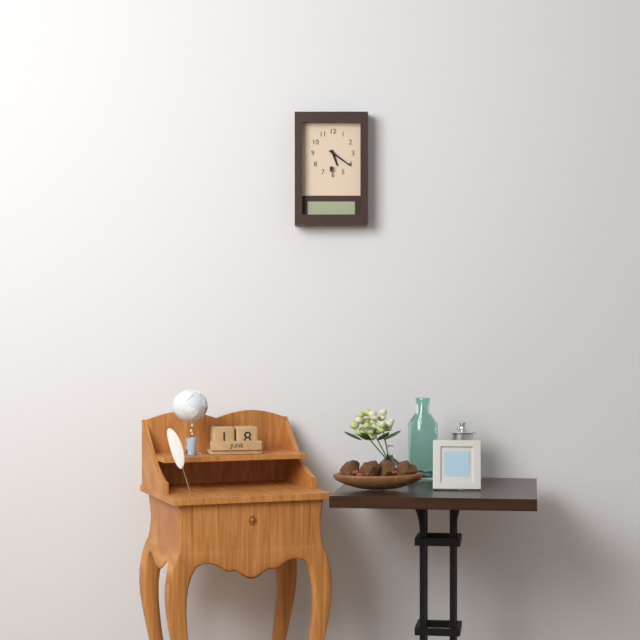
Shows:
5,21
